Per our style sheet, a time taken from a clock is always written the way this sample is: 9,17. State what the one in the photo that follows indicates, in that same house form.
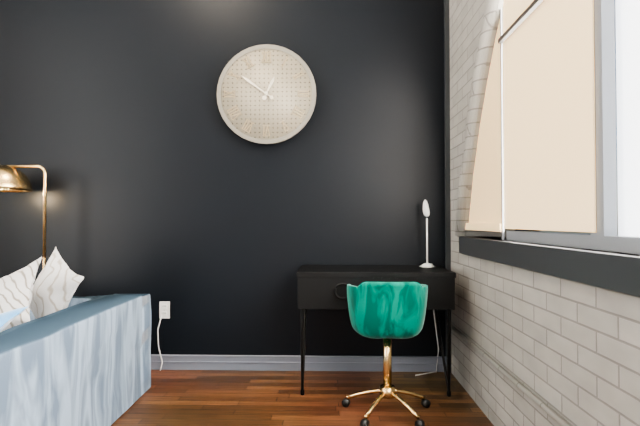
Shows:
12,51
